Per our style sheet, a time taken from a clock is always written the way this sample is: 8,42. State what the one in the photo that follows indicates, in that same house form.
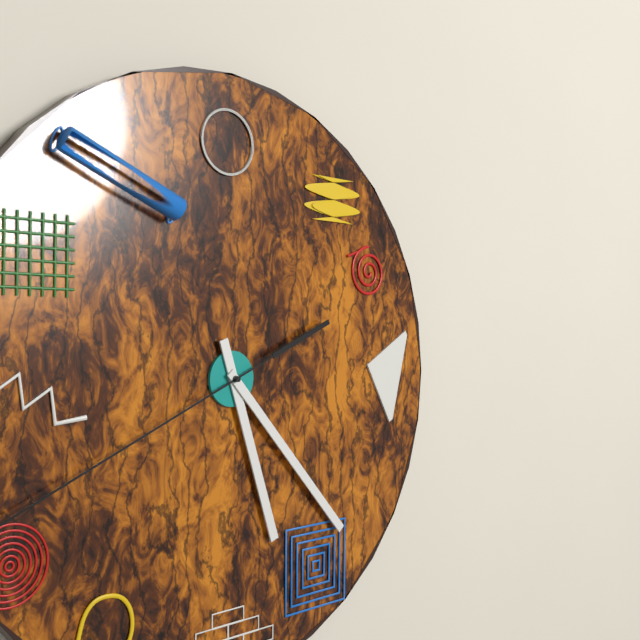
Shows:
5,23
